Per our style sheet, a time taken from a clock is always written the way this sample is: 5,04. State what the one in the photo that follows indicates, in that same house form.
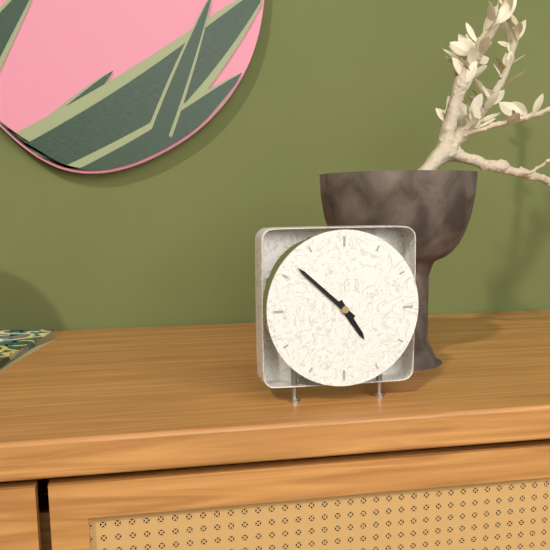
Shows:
4,52
